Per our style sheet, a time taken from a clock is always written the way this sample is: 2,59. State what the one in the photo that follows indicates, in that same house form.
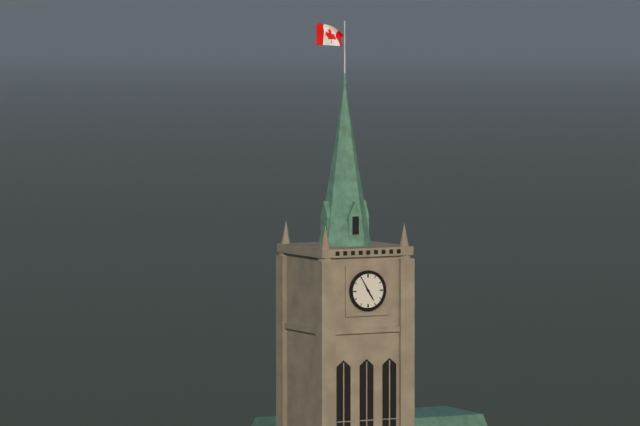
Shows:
4,55
